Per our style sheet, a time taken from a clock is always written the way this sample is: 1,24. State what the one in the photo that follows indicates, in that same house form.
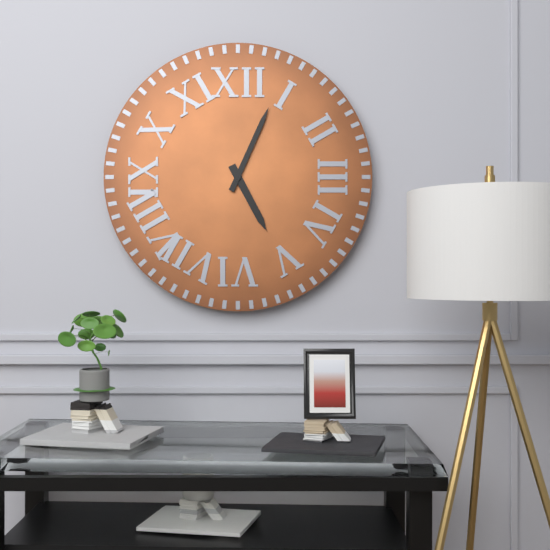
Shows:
5,04
